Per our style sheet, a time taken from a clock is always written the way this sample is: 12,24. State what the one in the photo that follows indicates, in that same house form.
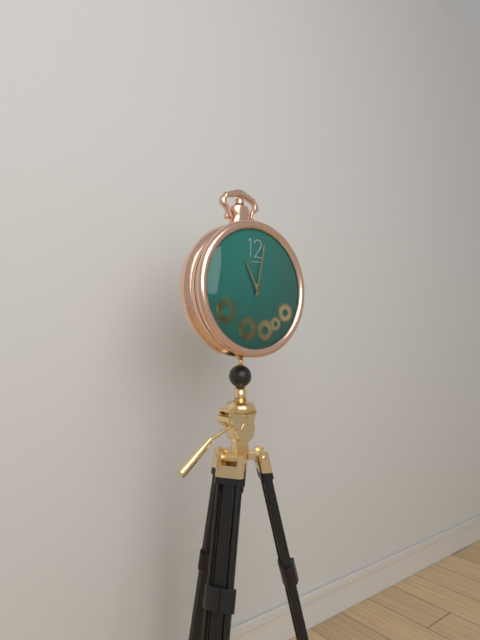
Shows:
11,02
